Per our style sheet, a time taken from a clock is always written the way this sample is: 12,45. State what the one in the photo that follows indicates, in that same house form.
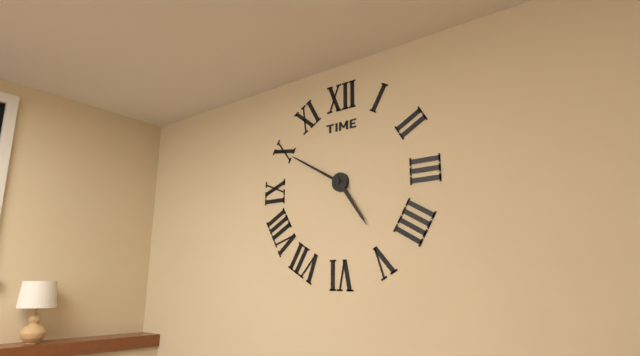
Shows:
4,50
